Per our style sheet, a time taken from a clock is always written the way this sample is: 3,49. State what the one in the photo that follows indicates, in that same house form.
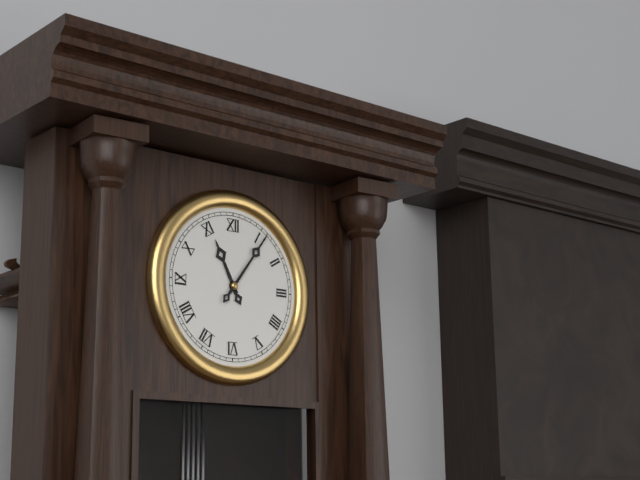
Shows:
11,06
